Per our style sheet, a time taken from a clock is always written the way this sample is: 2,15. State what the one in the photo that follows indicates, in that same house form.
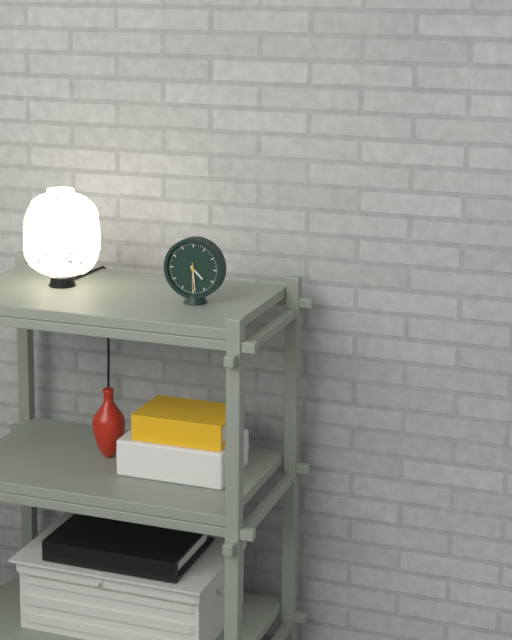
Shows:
4,29
